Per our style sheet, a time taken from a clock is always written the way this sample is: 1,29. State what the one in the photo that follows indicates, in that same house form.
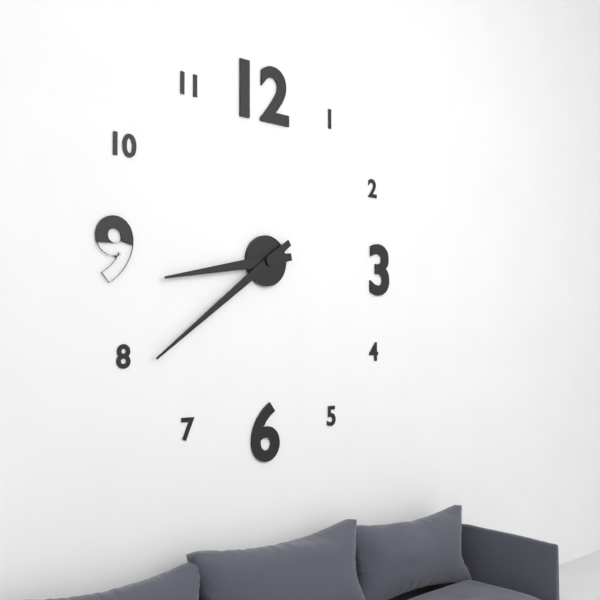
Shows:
8,39
